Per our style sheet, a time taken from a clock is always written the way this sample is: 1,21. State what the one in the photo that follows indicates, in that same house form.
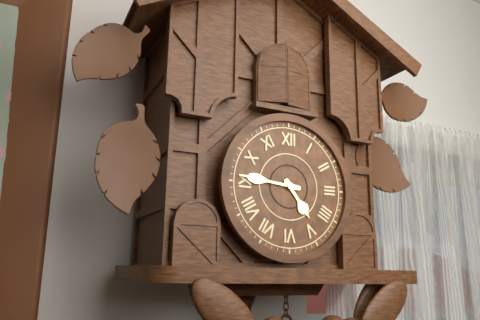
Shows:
4,46
